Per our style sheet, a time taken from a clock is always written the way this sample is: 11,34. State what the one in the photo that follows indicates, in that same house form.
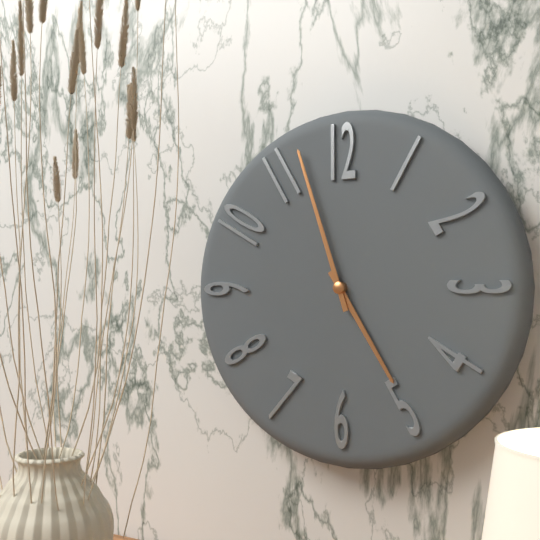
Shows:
4,57
